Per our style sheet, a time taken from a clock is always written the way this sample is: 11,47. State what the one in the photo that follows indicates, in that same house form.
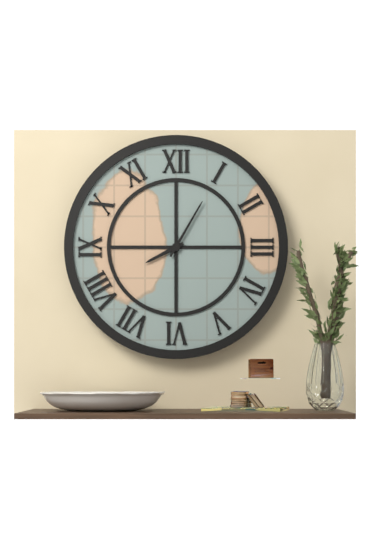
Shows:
8,05
